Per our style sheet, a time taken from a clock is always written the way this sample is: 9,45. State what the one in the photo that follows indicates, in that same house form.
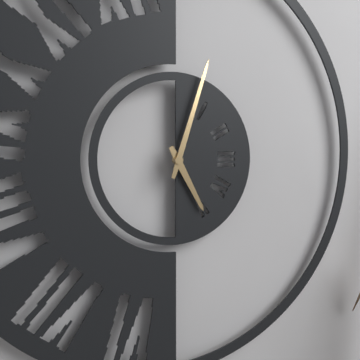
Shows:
5,03
